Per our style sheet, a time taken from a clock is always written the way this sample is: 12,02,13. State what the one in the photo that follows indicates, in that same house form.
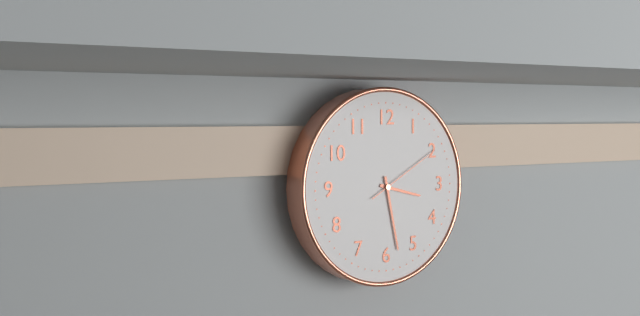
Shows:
3,28,10
